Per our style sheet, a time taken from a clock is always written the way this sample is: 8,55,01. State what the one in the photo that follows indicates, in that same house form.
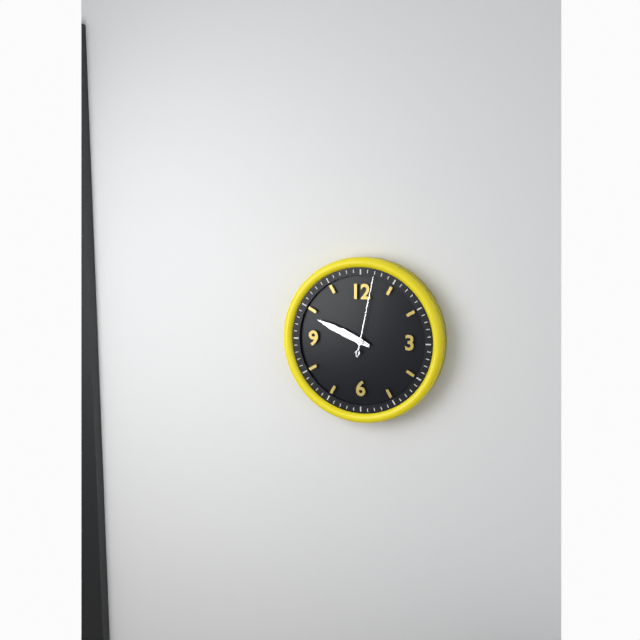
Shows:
9,49,02
